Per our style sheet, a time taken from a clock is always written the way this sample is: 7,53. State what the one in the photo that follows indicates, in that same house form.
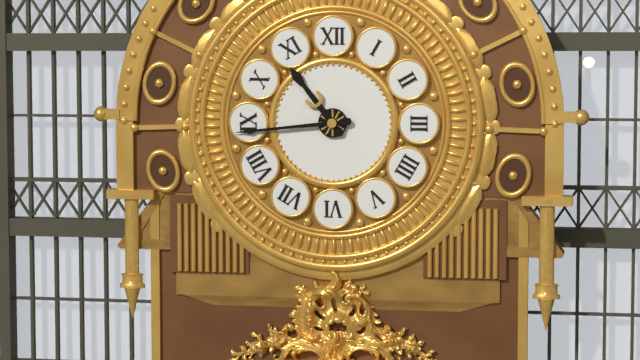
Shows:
10,44
